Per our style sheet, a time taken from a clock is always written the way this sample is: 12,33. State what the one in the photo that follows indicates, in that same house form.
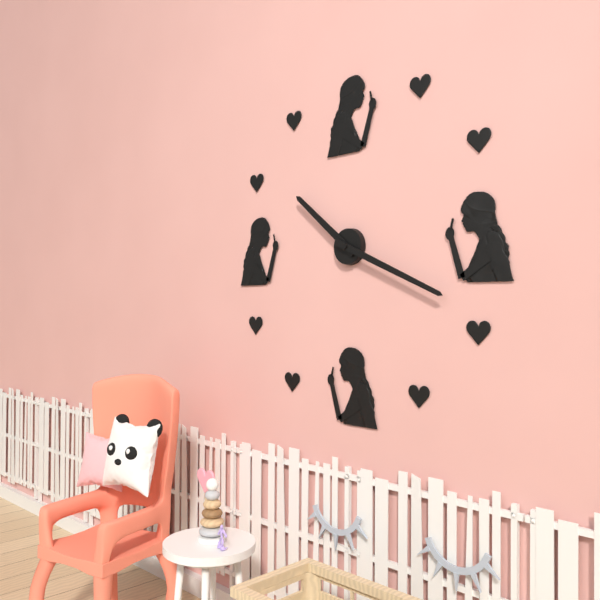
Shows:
10,19
